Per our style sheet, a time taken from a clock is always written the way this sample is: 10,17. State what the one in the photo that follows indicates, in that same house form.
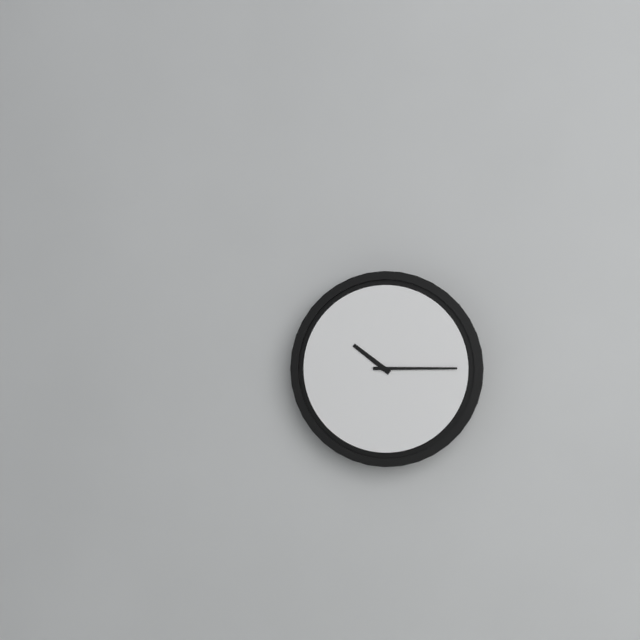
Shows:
10,15
